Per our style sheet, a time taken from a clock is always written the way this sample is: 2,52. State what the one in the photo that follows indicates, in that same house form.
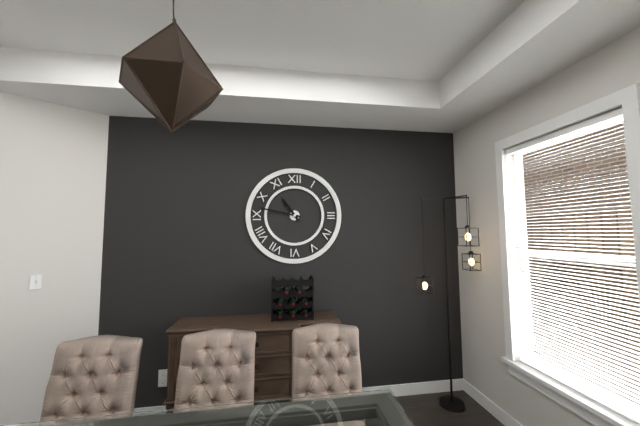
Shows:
10,47
